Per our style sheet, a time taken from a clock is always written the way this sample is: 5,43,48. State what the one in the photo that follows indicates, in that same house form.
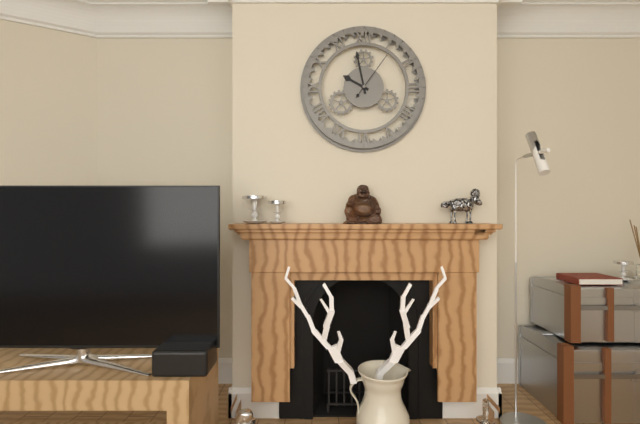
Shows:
9,58,06
